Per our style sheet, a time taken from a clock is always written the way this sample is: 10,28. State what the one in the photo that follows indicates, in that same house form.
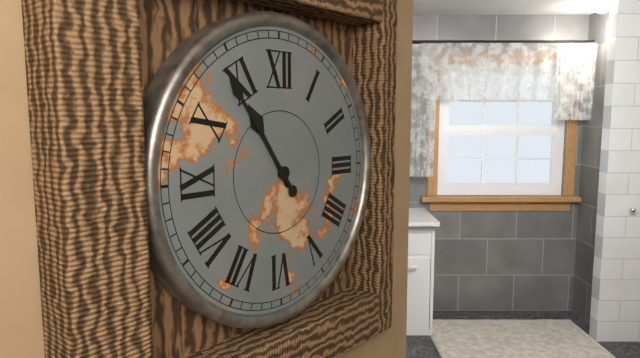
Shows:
10,54
